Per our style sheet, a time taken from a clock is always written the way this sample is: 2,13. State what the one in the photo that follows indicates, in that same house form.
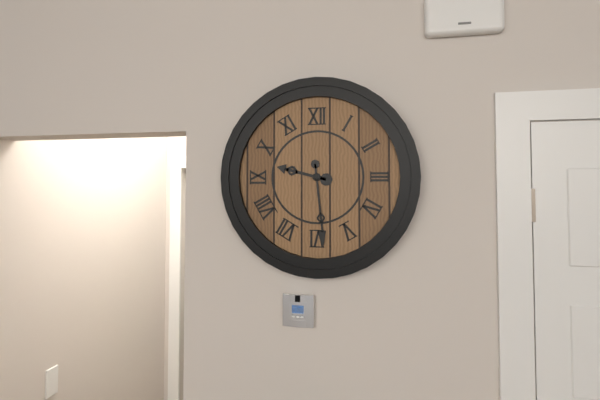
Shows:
9,29
